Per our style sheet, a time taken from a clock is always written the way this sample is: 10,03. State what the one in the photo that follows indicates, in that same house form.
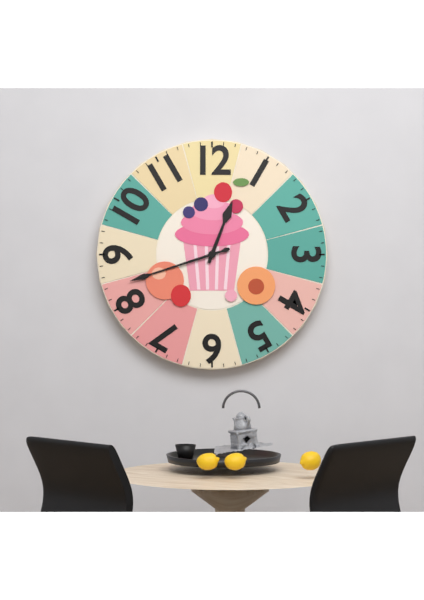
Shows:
12,42
